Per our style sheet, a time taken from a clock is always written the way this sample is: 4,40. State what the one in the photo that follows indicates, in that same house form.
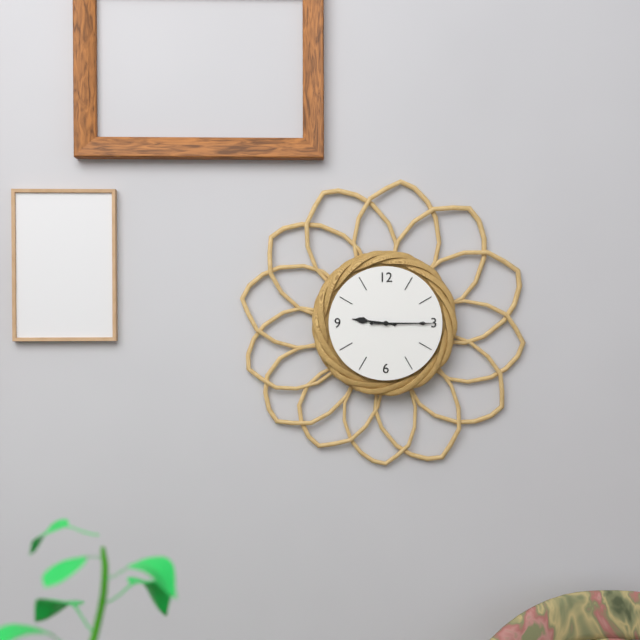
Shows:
9,15
